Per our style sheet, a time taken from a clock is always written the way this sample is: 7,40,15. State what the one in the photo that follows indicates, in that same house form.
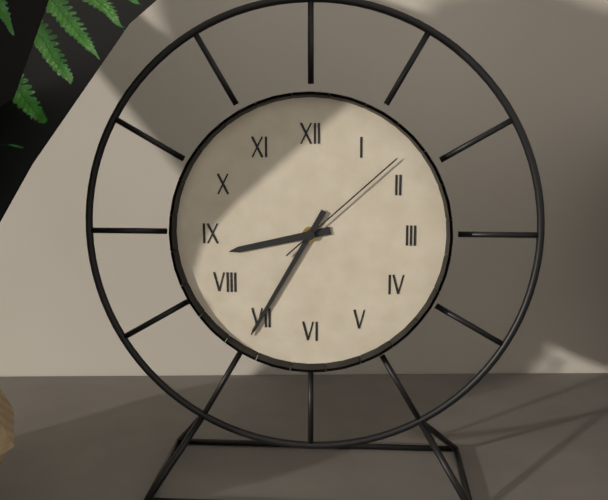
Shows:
8,35,08
